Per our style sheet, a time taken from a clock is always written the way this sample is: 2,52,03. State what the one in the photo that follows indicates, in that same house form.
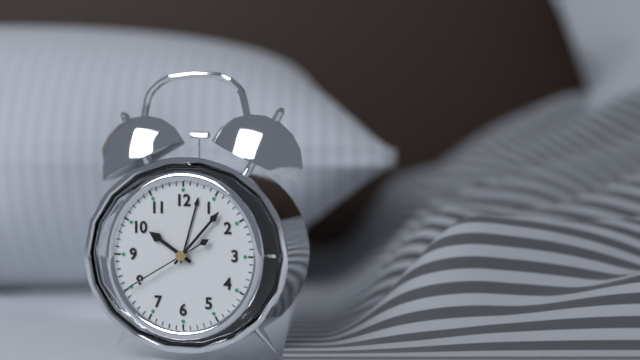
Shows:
10,07,40
